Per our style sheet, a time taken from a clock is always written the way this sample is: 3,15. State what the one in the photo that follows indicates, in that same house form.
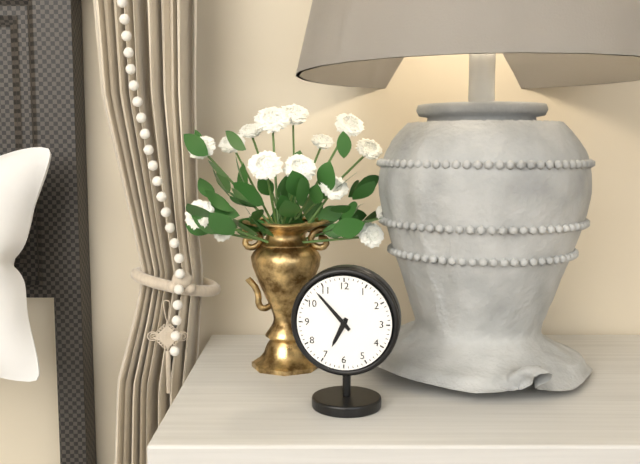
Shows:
6,53
